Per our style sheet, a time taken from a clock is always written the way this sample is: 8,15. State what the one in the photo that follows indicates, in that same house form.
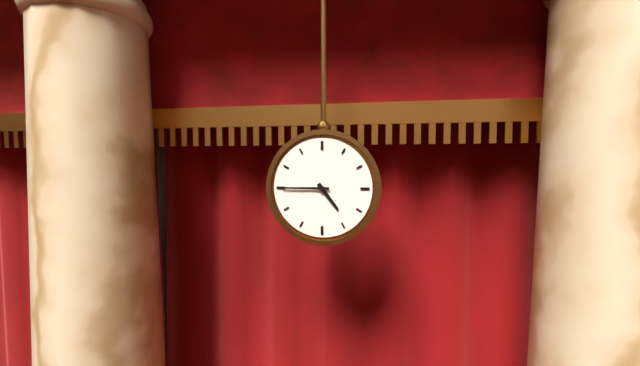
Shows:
4,45
